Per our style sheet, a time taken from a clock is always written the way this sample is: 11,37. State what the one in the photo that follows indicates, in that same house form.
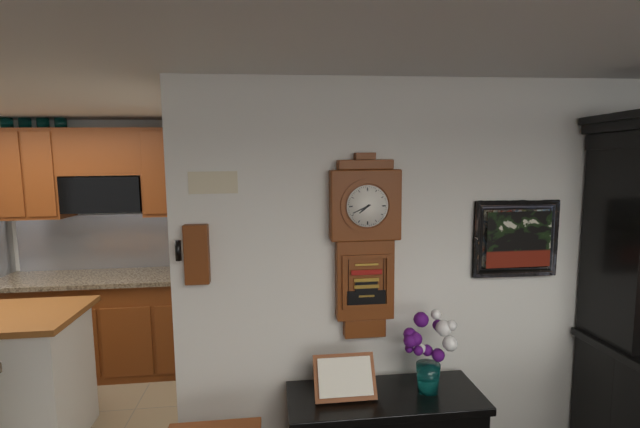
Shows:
7,41
